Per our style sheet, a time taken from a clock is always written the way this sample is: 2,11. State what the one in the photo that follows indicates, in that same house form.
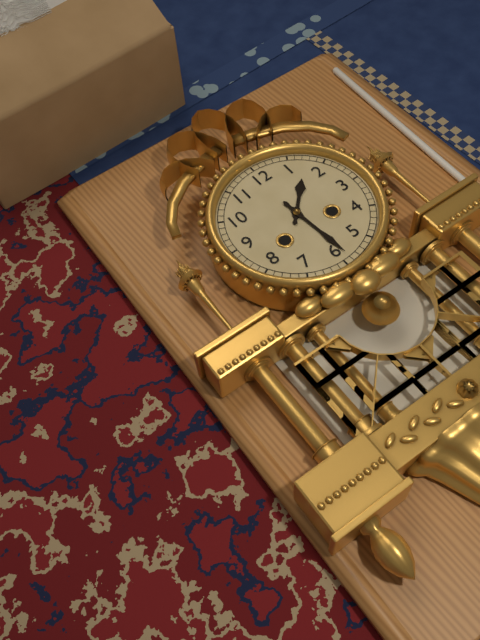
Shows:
1,29
